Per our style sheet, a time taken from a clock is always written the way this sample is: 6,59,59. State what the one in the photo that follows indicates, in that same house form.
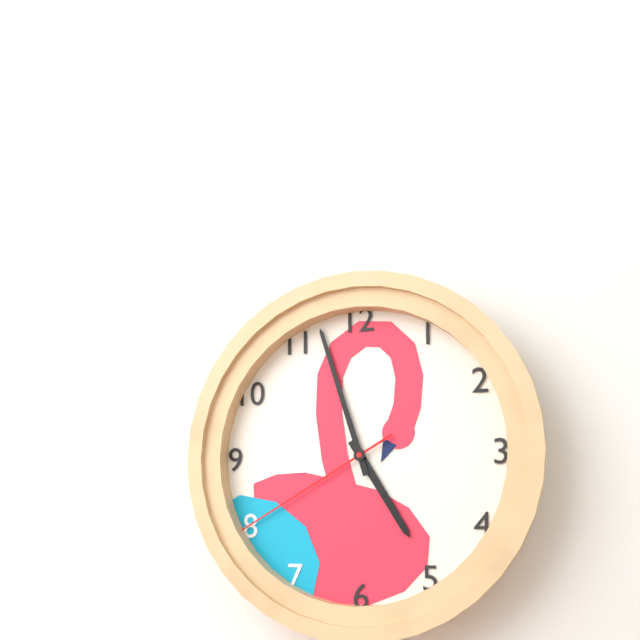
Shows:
4,57,40
